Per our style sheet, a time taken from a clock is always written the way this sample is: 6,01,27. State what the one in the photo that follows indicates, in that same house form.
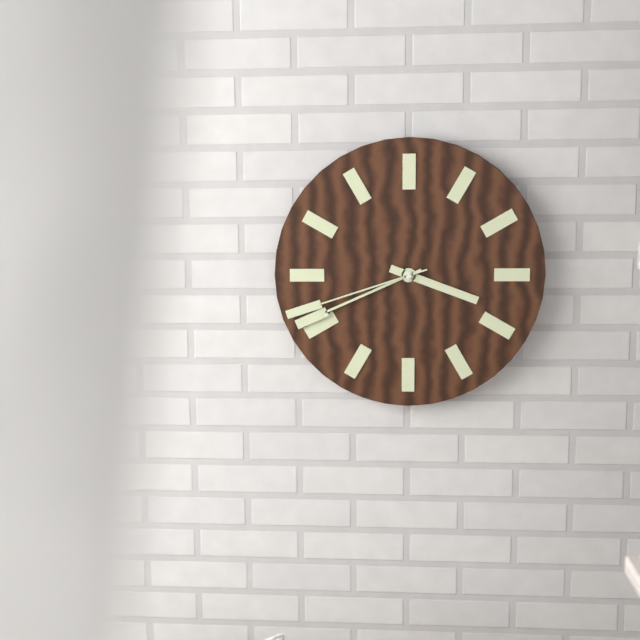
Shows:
3,41,42
